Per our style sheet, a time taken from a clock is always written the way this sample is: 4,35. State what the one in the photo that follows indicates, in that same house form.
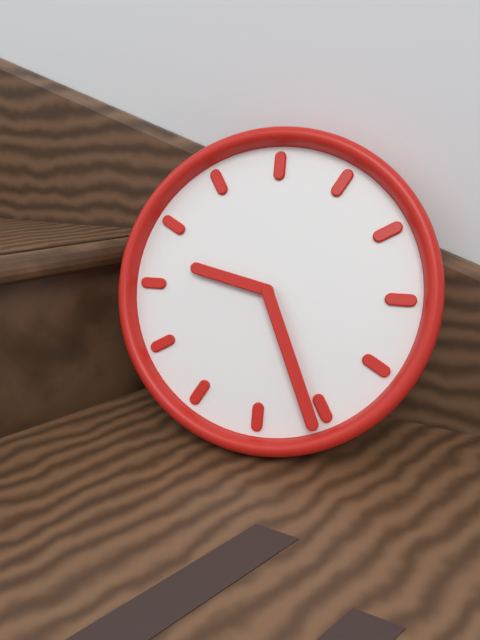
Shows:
9,26
